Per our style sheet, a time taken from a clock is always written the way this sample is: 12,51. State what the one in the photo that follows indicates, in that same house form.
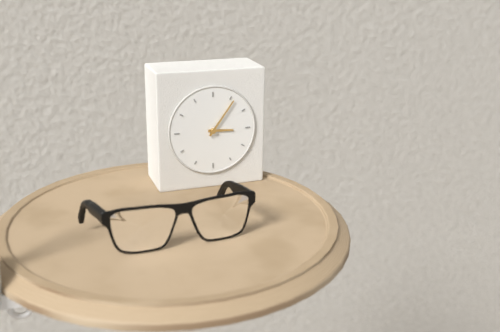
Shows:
3,06
